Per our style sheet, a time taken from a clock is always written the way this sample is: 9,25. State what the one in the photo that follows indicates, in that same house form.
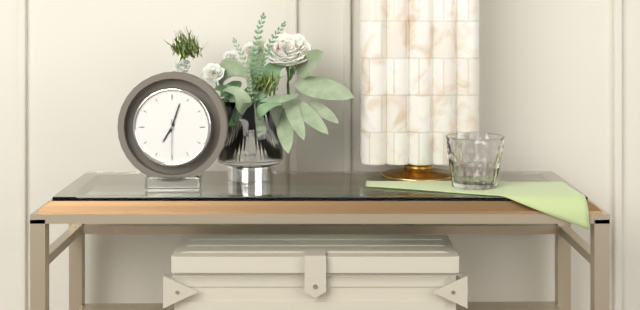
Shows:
7,03
